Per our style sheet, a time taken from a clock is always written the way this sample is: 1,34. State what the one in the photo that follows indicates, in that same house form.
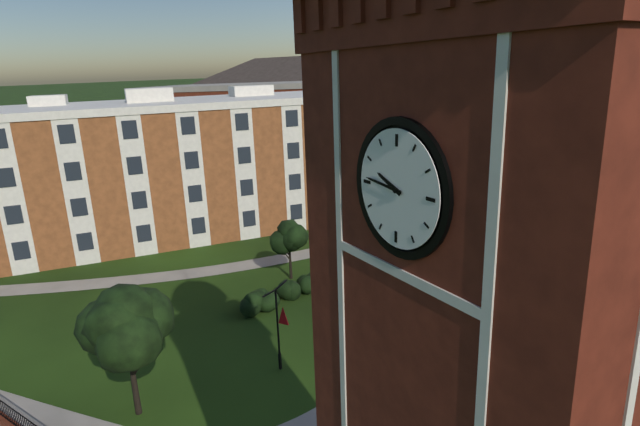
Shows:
9,46
